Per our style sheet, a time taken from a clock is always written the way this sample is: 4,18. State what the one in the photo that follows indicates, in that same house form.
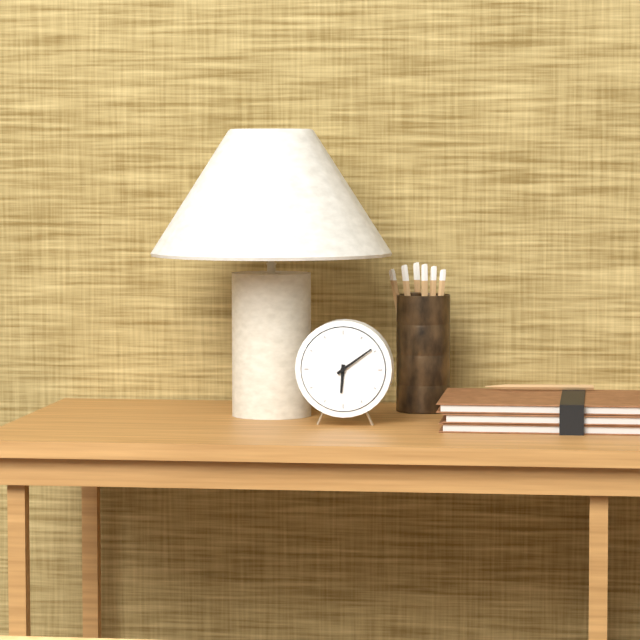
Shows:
6,09
